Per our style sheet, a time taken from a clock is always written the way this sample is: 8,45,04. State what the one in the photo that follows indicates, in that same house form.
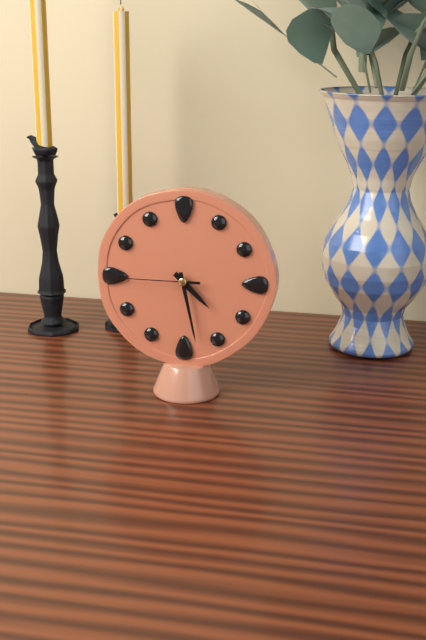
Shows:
4,28,45
